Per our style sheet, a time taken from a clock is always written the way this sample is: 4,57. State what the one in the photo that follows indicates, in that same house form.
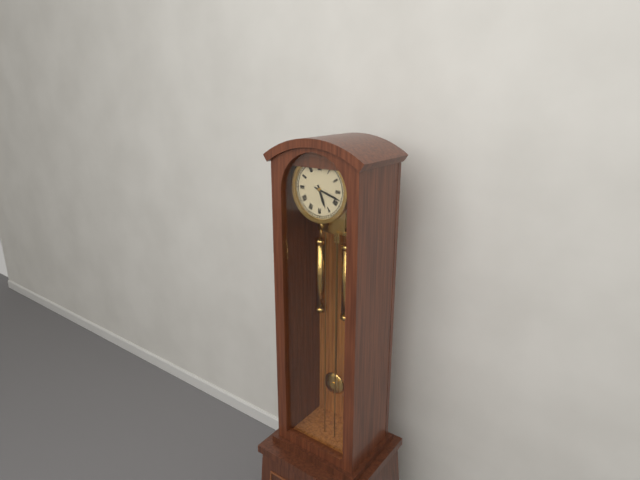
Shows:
5,18
